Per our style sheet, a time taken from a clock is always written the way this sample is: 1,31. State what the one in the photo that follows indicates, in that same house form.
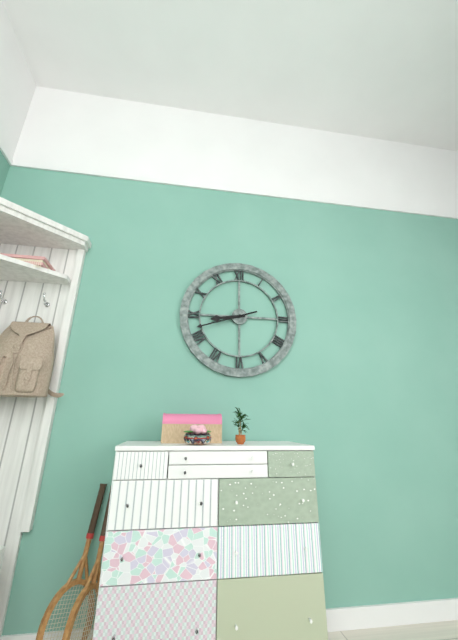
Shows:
8,42
